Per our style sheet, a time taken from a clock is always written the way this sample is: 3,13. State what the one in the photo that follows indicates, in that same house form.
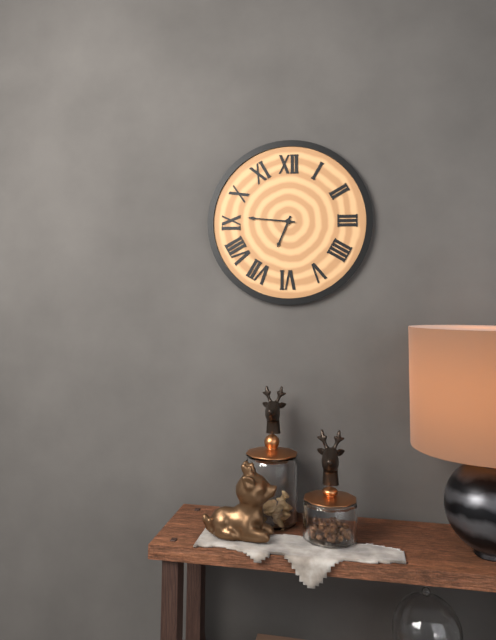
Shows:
6,46
